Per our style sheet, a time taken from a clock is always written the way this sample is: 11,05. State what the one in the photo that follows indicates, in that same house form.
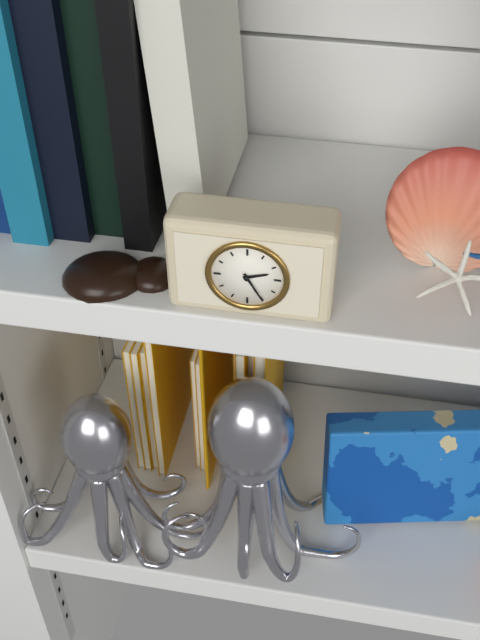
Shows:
2,25
